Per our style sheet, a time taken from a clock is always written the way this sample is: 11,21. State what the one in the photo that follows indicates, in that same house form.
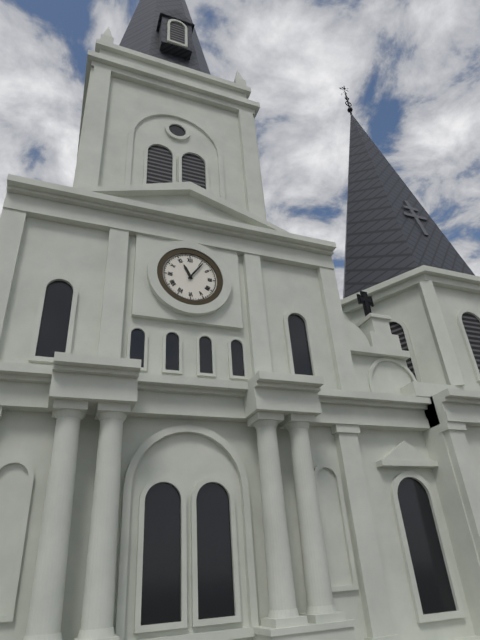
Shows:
11,06
